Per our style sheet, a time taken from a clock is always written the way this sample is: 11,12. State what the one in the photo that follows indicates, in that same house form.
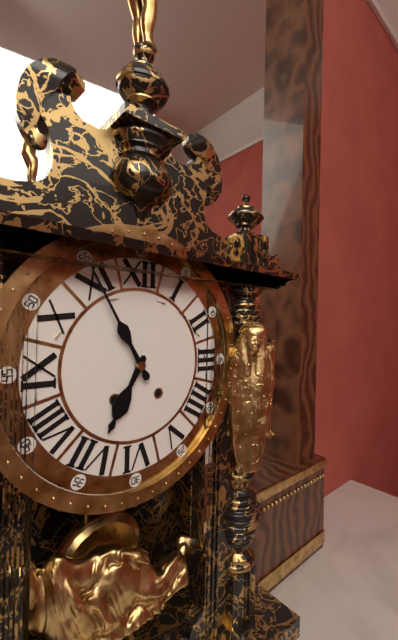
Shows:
6,55
